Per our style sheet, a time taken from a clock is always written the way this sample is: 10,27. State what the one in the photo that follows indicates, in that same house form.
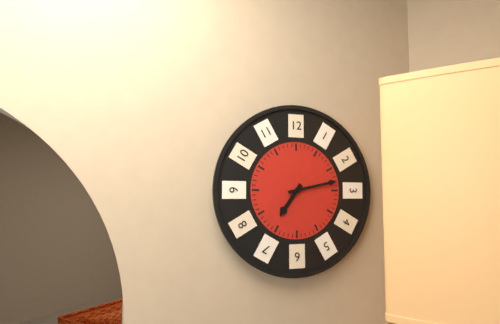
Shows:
7,13
